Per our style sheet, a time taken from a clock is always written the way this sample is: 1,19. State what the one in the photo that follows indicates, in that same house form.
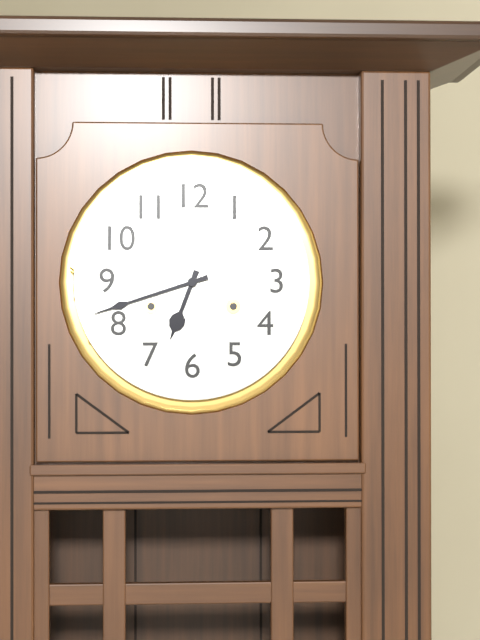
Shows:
6,42
